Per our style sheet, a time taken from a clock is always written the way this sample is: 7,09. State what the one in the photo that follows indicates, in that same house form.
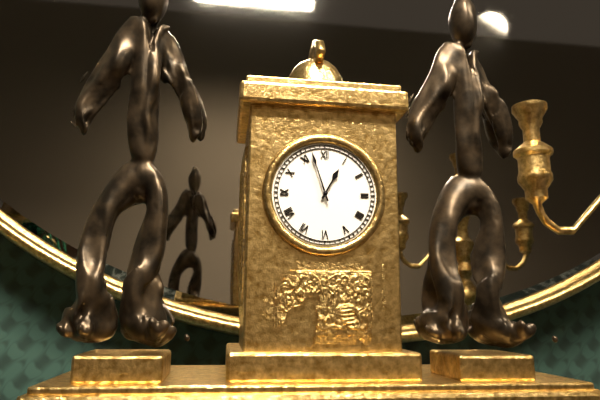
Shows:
12,57
